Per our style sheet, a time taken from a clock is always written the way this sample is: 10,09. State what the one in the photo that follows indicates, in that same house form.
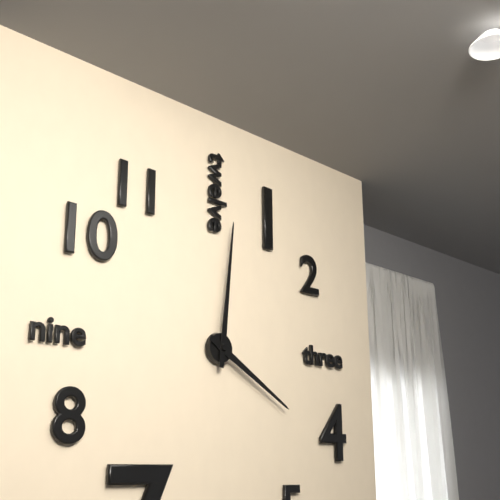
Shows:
4,01
